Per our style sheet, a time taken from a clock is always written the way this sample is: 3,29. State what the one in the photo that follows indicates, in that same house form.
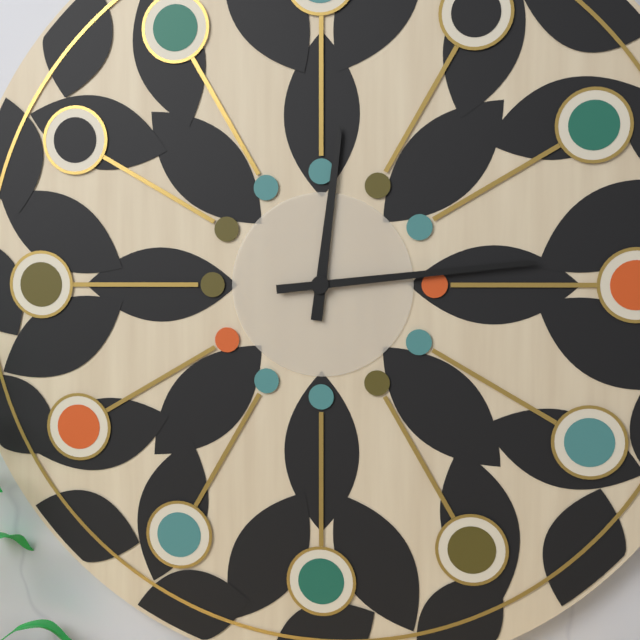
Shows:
12,14
